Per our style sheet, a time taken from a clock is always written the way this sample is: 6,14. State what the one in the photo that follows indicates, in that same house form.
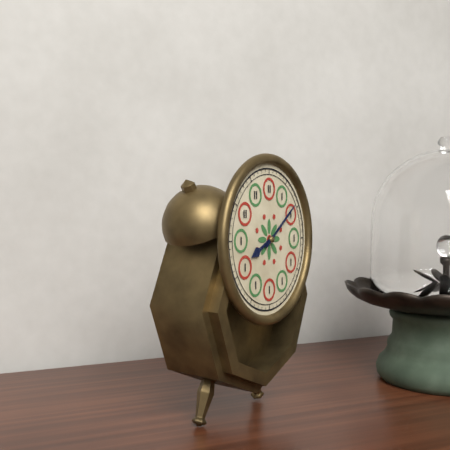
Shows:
8,09
